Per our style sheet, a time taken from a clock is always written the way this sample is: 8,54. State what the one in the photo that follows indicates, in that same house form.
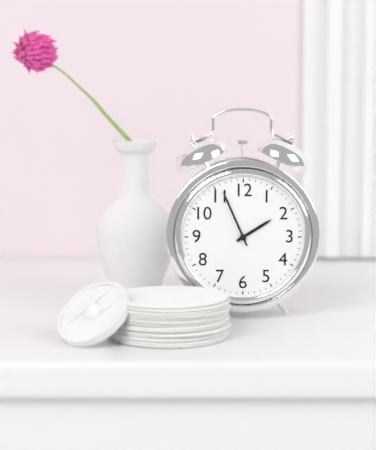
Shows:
1,56
